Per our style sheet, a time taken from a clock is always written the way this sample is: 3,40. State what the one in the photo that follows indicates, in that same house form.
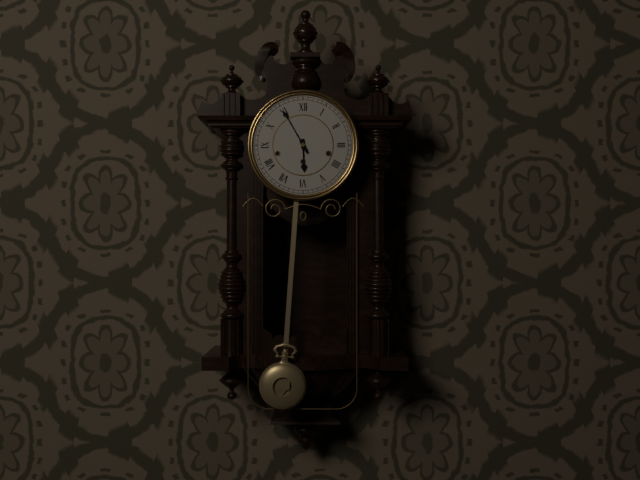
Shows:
5,55
